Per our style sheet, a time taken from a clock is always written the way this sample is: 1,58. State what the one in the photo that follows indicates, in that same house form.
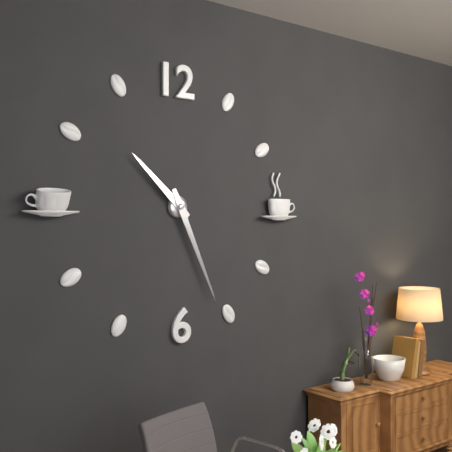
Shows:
10,26
